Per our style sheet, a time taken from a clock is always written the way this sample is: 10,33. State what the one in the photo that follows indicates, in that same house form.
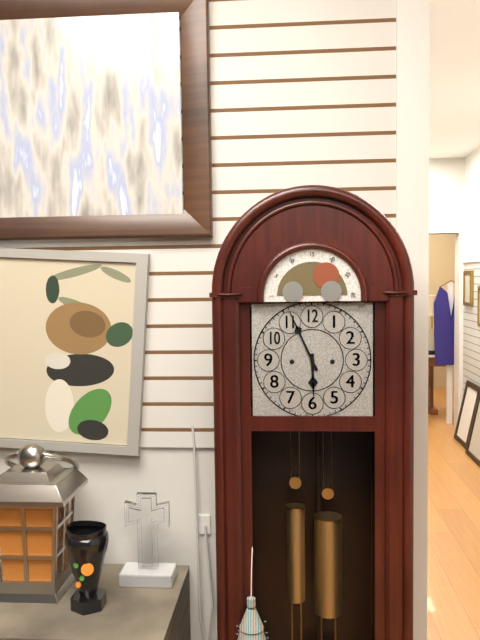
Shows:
5,56
